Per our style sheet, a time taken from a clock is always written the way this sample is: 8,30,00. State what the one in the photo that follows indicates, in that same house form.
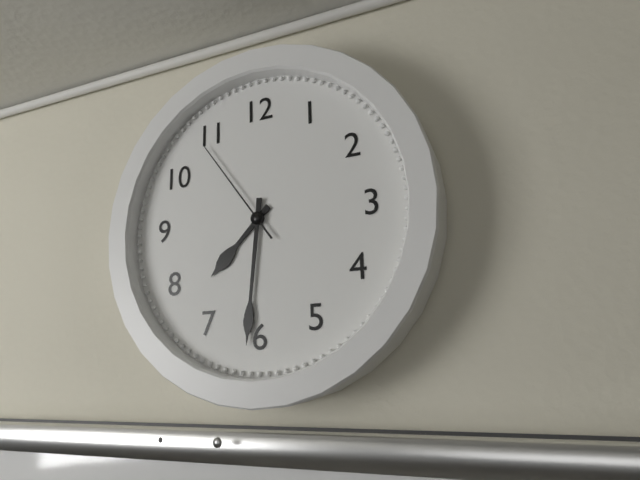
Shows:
7,31,54
